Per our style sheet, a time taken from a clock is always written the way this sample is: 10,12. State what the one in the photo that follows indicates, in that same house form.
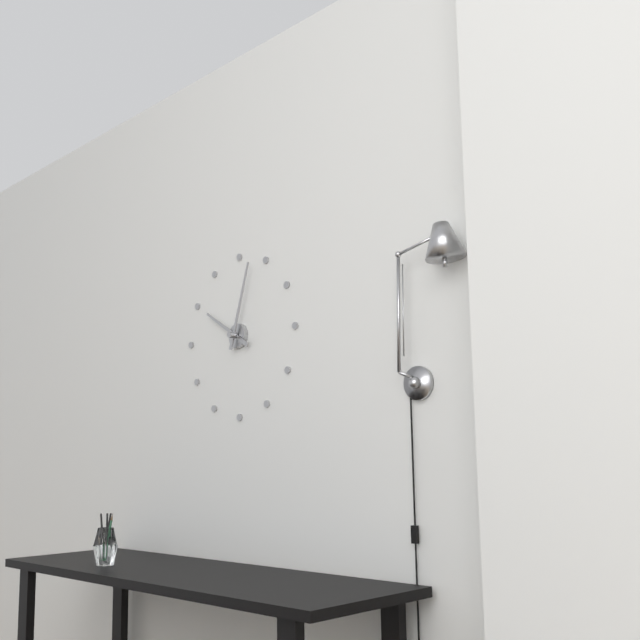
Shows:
10,03
